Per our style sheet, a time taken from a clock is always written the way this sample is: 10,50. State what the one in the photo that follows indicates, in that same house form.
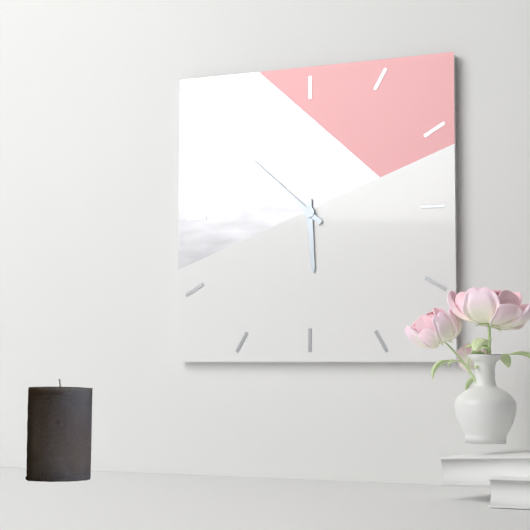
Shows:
5,52
